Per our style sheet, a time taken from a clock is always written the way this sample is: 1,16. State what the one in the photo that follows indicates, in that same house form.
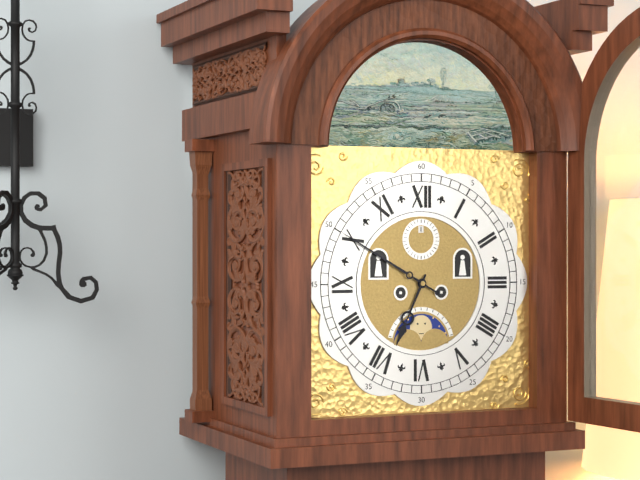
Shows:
6,50
